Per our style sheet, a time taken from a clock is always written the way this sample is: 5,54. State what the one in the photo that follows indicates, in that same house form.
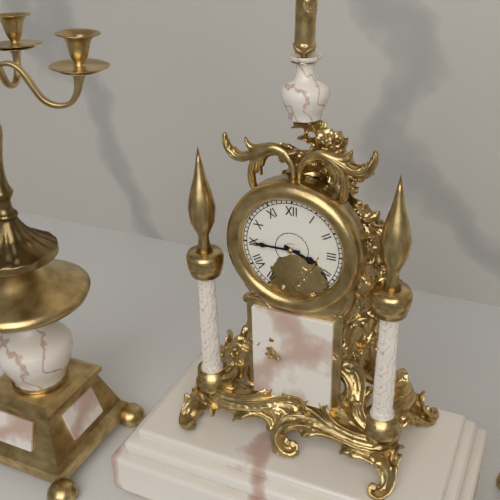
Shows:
3,45
